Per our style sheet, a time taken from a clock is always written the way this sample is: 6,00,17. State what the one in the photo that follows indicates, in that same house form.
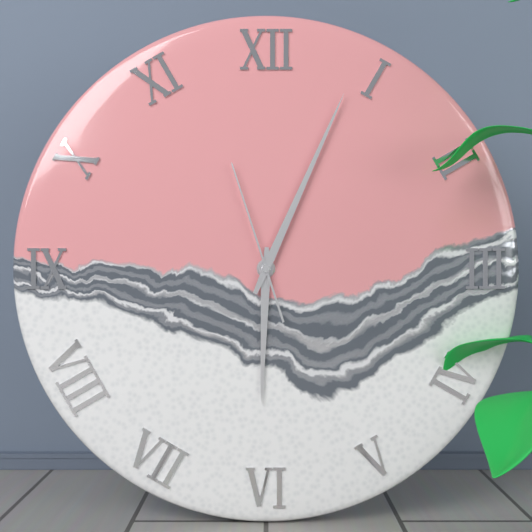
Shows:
6,04,57
